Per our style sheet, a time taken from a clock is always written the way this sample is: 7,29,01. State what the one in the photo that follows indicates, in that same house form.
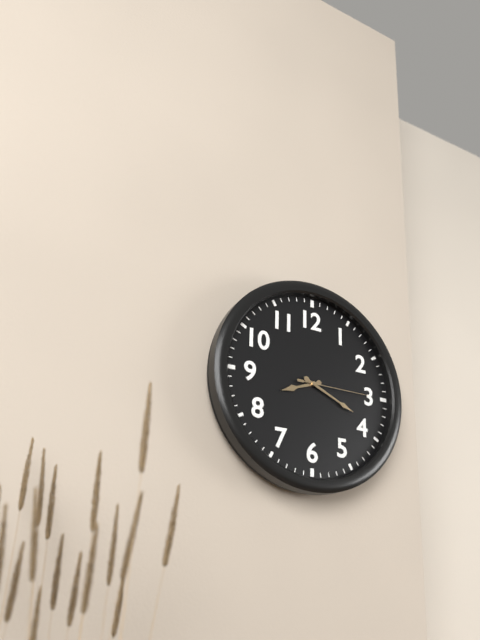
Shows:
8,19,15
